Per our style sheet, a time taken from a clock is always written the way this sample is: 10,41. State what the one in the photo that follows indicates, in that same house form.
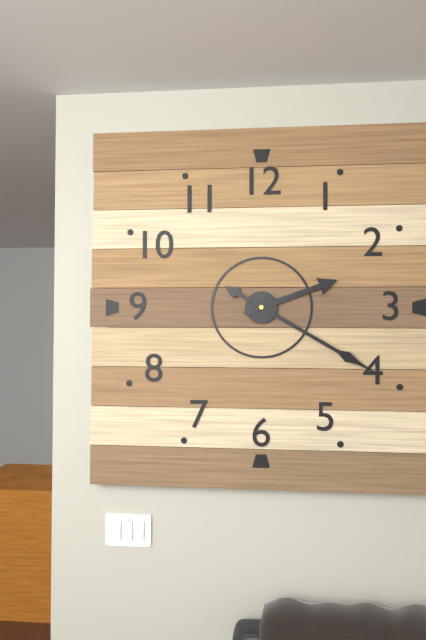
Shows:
2,20
